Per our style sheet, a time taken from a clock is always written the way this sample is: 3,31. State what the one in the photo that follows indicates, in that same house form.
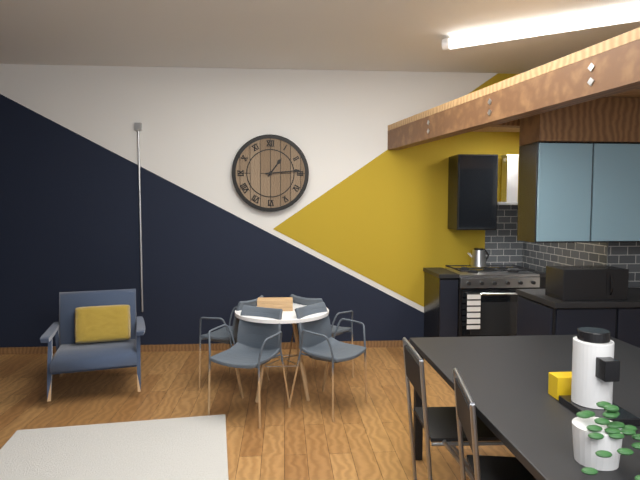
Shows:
1,14
